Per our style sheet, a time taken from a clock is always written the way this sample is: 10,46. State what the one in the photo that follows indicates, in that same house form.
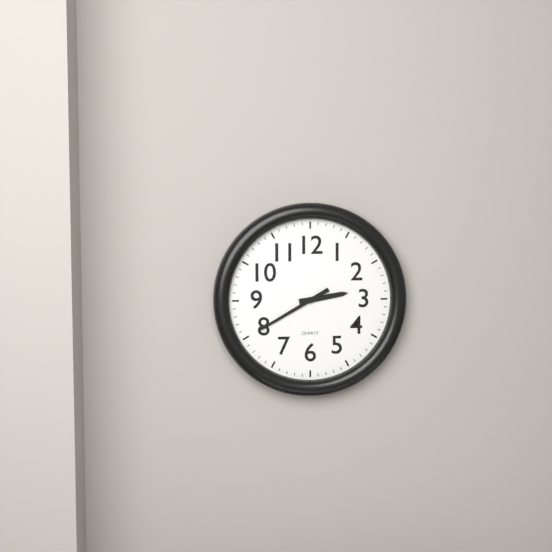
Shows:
2,40
